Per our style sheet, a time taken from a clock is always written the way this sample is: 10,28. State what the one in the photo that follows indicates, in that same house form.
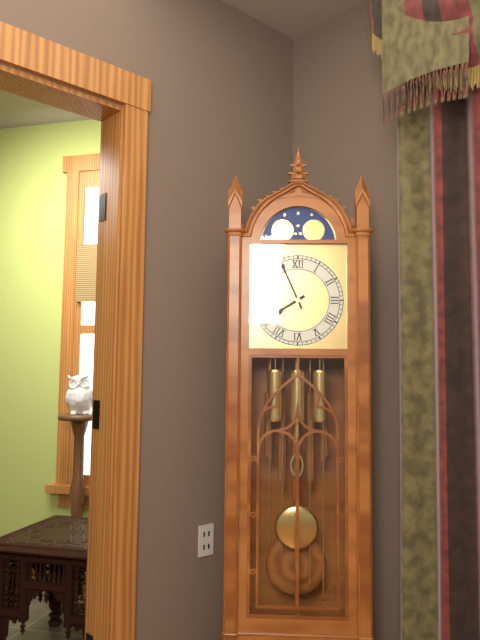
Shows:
7,56
